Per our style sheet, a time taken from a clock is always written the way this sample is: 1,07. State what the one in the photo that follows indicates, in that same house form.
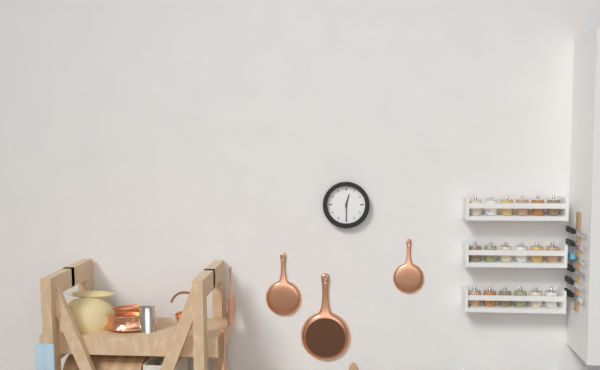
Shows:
12,30
